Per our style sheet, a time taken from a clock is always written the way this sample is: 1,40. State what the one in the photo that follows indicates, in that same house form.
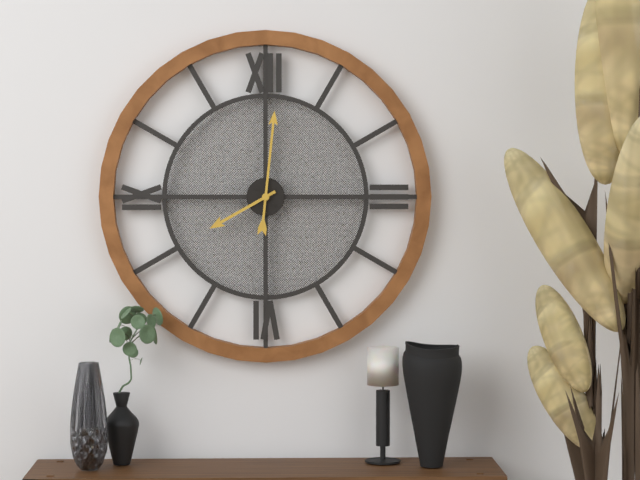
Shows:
8,01
